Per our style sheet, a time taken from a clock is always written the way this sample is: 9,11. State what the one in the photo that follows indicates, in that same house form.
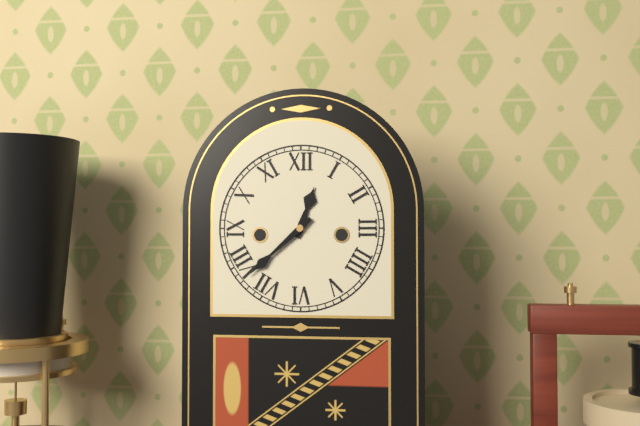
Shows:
12,38
